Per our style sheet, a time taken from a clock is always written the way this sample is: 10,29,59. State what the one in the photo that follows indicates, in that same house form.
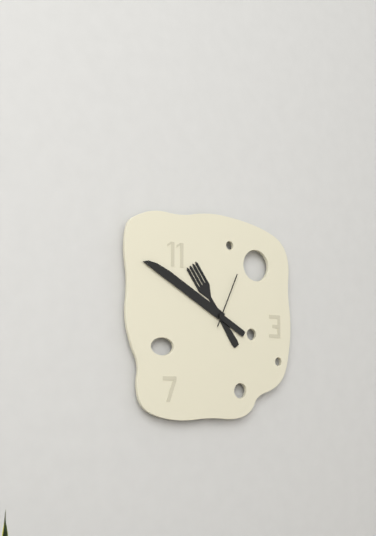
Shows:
10,50,04
